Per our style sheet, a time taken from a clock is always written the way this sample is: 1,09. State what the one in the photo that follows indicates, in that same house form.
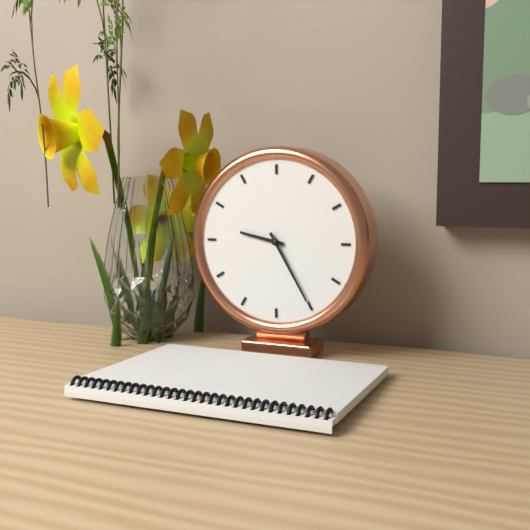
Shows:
9,25
